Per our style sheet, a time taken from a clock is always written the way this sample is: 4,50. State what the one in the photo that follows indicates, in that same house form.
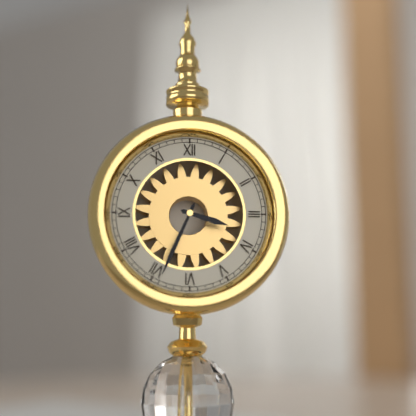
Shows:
3,34
